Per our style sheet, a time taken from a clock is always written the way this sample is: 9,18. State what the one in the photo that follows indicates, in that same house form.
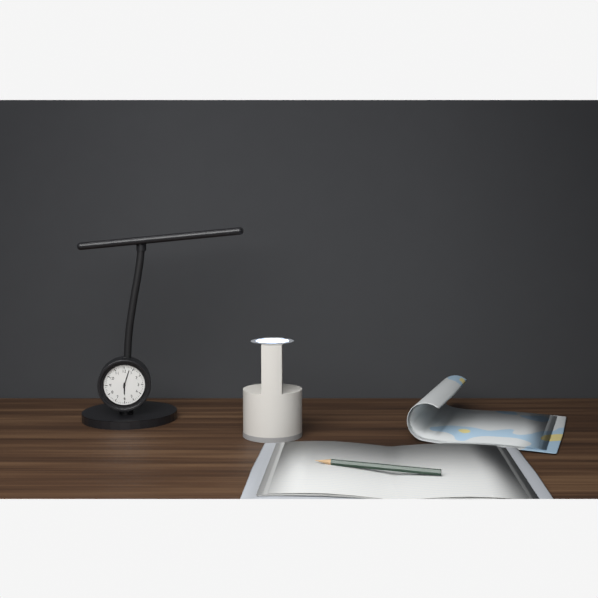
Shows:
6,03
